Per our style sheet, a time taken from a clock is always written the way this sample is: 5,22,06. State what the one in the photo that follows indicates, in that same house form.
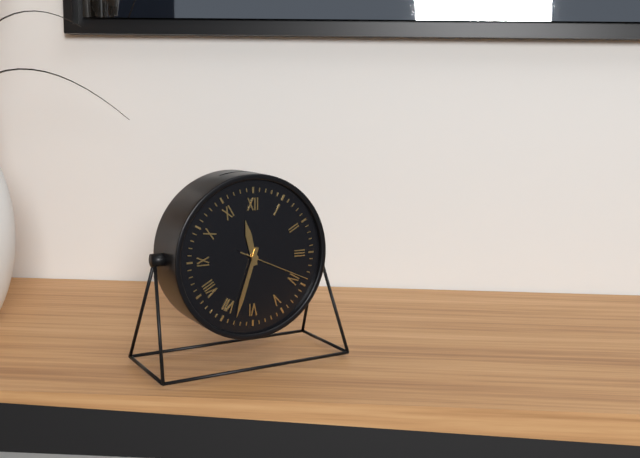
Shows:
11,33,19
